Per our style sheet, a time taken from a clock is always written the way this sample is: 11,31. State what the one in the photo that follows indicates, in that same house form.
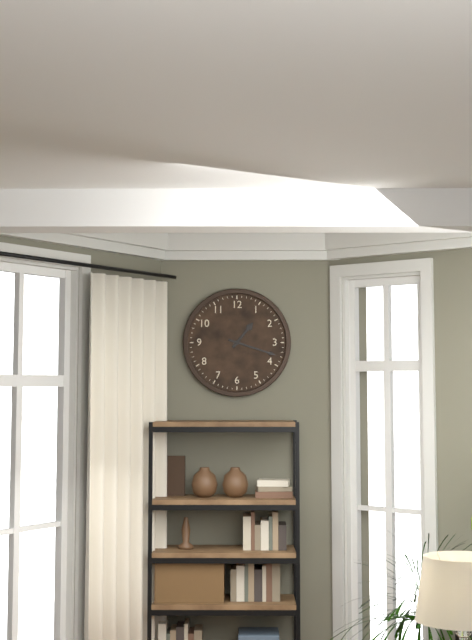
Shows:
1,18
